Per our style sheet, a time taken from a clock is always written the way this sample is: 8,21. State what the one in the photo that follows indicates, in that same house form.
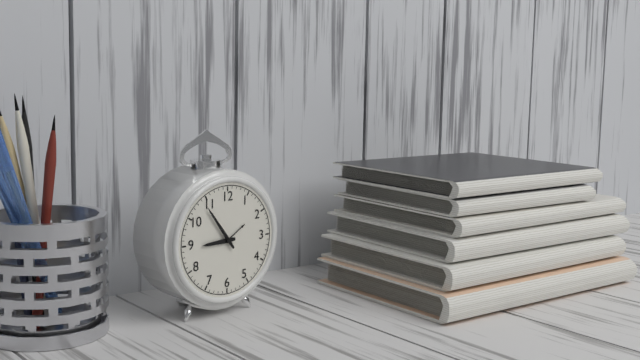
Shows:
8,54
